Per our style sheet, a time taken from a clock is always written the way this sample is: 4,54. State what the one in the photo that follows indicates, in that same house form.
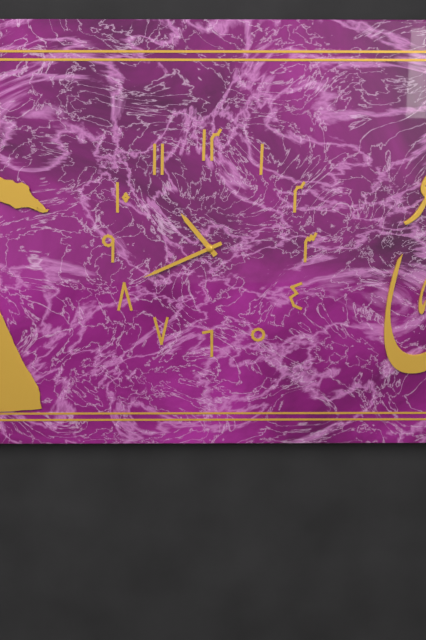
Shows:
10,41
